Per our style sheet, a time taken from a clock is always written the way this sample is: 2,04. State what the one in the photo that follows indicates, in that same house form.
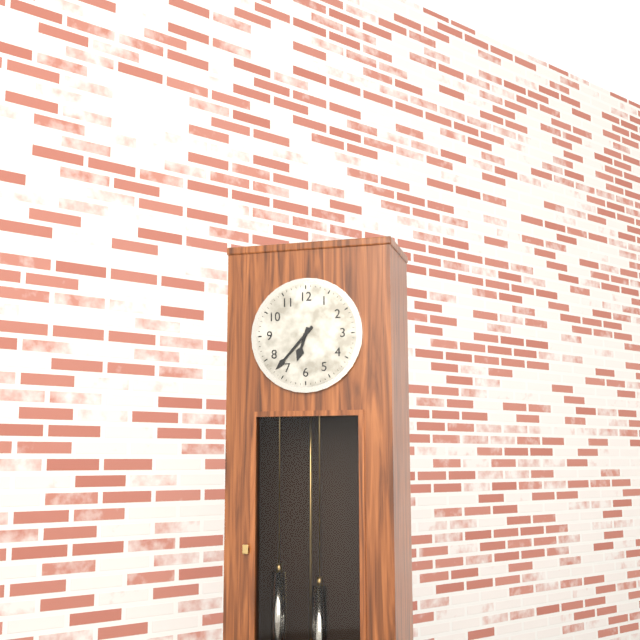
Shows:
6,37
